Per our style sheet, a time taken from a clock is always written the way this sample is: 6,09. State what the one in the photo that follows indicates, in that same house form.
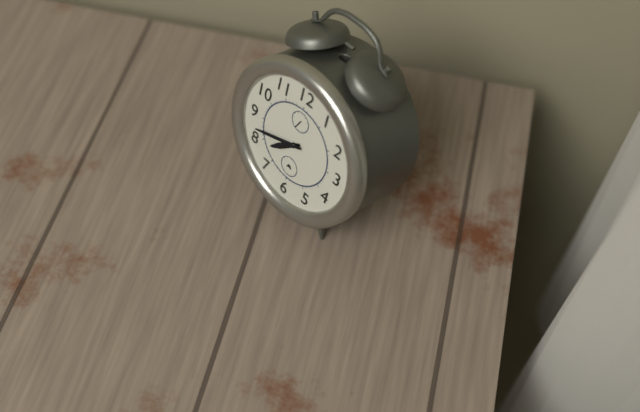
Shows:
7,42
